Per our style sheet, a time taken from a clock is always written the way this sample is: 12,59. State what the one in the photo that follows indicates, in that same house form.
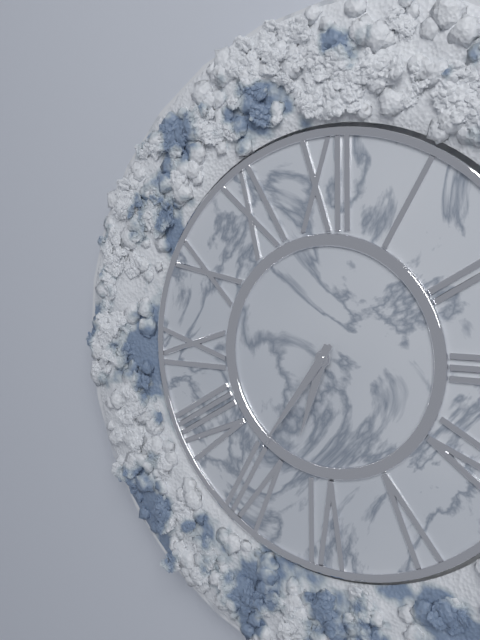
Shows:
6,36
